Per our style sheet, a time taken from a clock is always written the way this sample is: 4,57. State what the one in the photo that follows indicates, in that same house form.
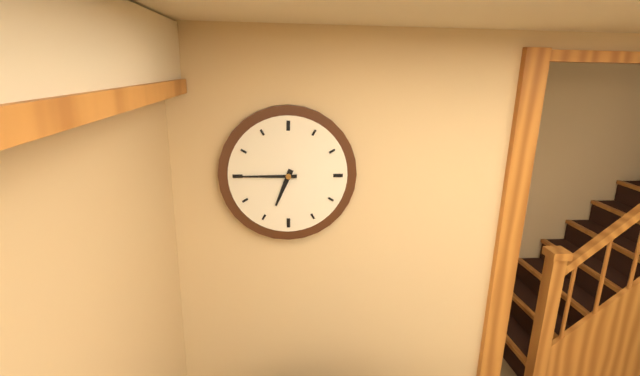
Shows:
6,45
